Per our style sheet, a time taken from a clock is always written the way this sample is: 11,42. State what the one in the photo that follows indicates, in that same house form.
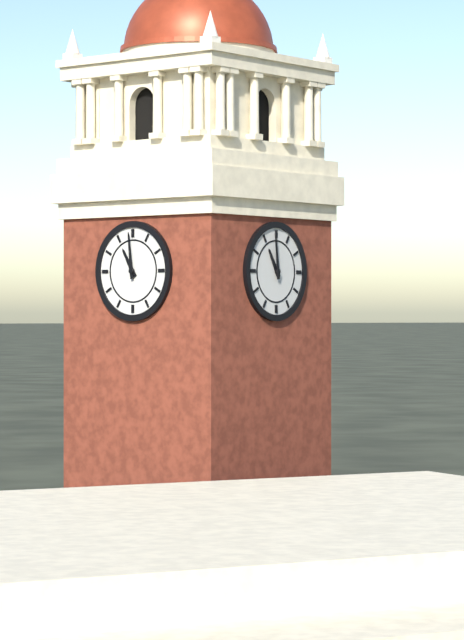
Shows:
10,59
